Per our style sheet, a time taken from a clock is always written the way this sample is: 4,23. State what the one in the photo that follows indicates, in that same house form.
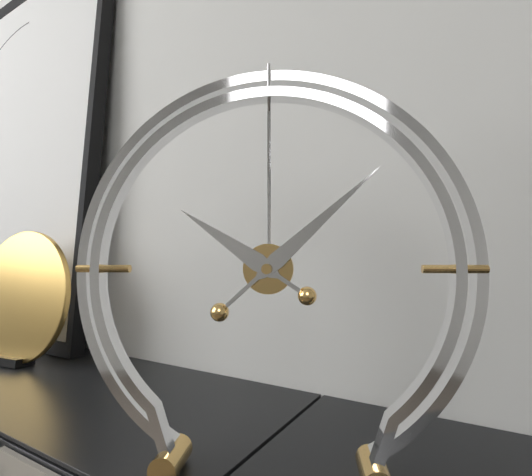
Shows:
10,08
